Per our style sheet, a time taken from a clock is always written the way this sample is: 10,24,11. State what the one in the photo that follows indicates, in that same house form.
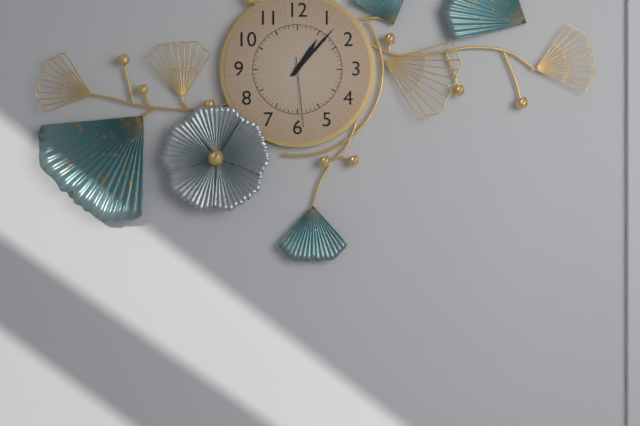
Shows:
1,07,29
